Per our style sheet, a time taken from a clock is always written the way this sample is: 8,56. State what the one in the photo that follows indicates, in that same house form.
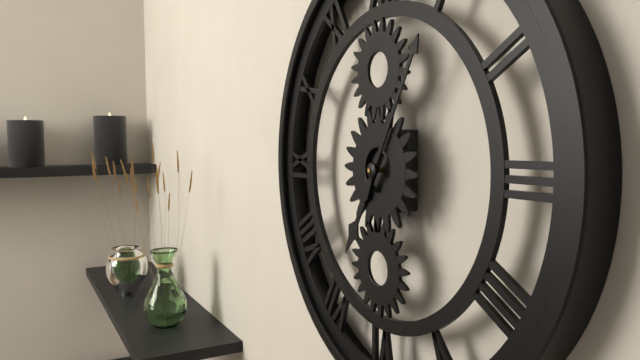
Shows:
7,05
